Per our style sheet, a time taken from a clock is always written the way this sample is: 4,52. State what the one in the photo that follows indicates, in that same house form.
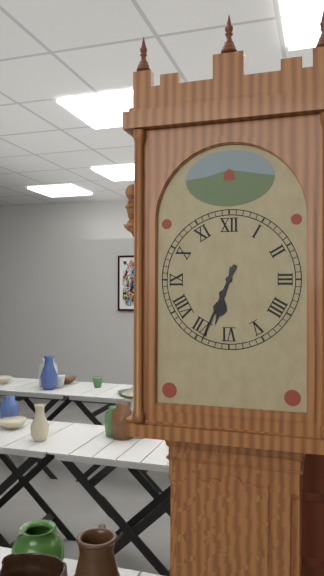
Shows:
6,34
